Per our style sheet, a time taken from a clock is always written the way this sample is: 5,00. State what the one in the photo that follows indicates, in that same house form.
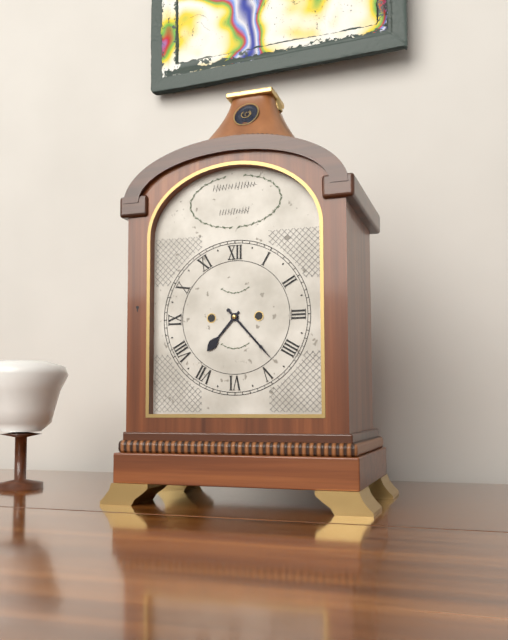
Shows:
7,23
